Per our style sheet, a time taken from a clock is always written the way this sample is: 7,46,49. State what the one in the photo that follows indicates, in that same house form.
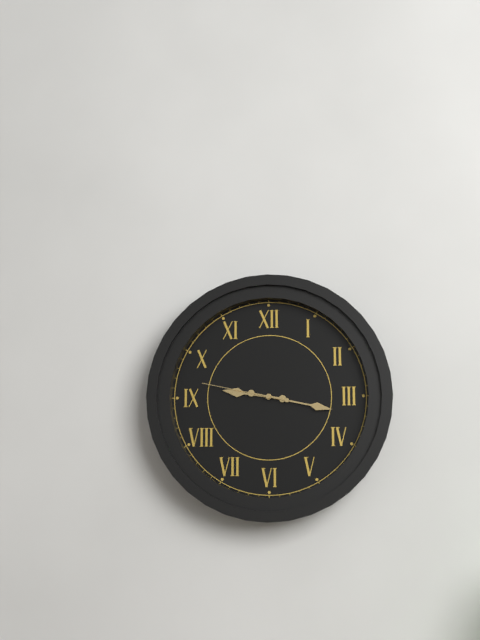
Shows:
9,17,47
